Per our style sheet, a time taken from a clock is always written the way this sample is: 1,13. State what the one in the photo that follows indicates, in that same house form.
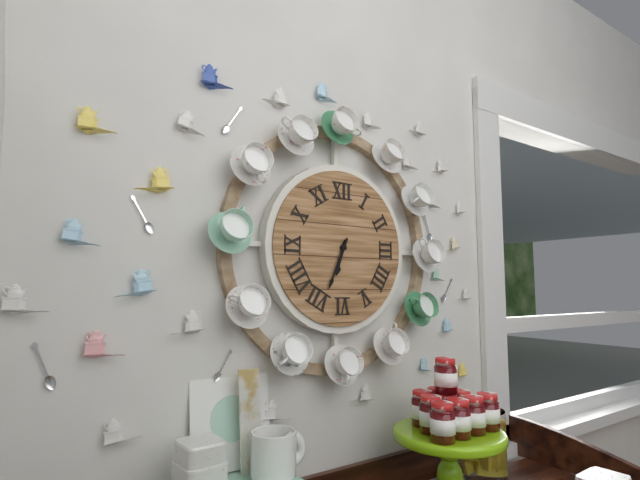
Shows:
6,34
